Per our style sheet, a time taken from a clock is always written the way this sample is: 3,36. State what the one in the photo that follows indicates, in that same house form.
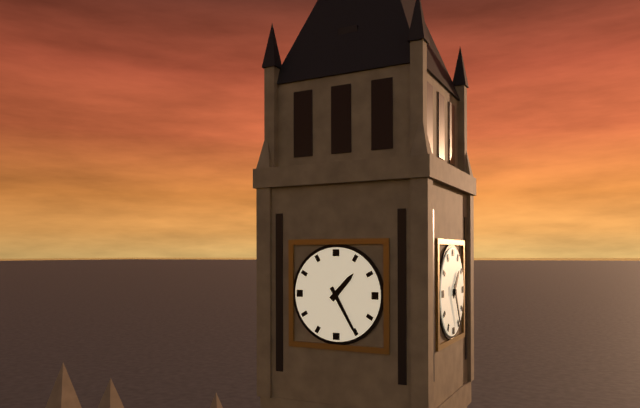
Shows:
1,25
